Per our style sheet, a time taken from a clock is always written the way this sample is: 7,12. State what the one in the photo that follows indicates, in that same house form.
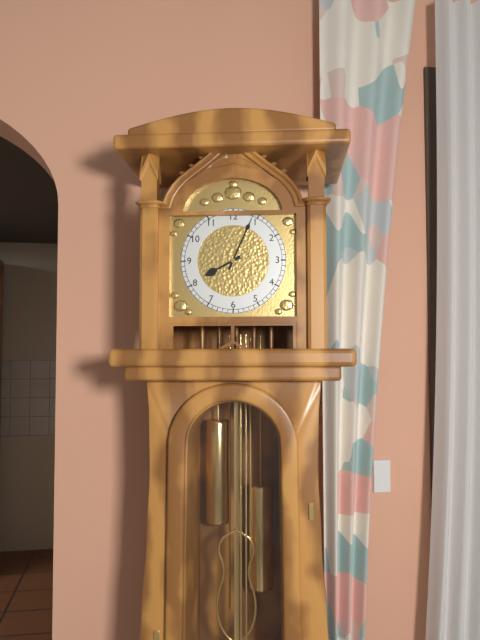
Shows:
8,04
